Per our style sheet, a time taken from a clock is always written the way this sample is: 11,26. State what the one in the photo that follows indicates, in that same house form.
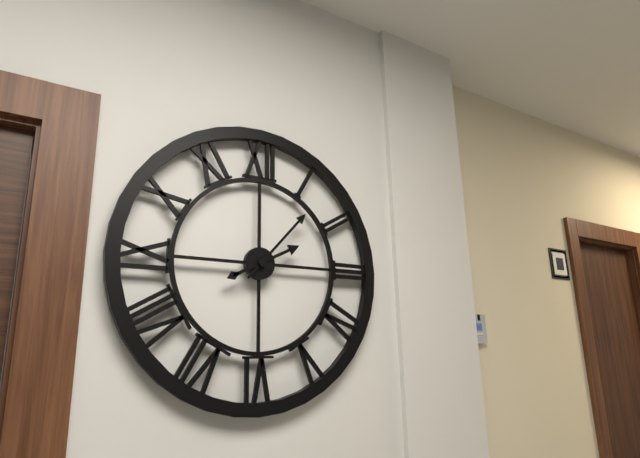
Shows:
2,07
